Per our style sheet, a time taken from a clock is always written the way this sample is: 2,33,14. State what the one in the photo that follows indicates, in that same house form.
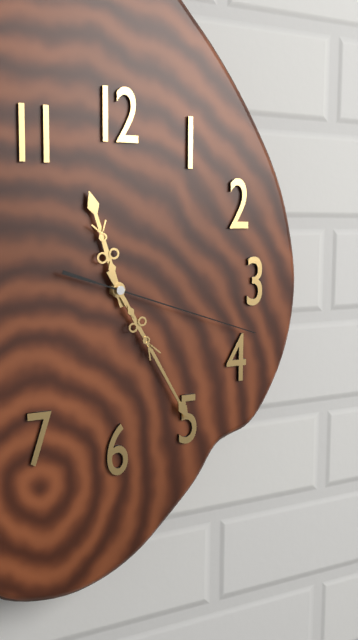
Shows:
11,25,18
